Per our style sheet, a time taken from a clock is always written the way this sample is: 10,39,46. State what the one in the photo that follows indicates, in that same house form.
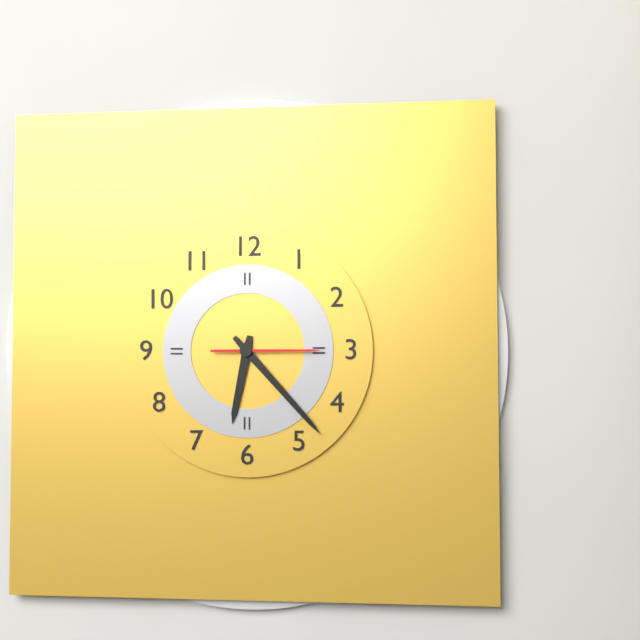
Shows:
6,23,15
